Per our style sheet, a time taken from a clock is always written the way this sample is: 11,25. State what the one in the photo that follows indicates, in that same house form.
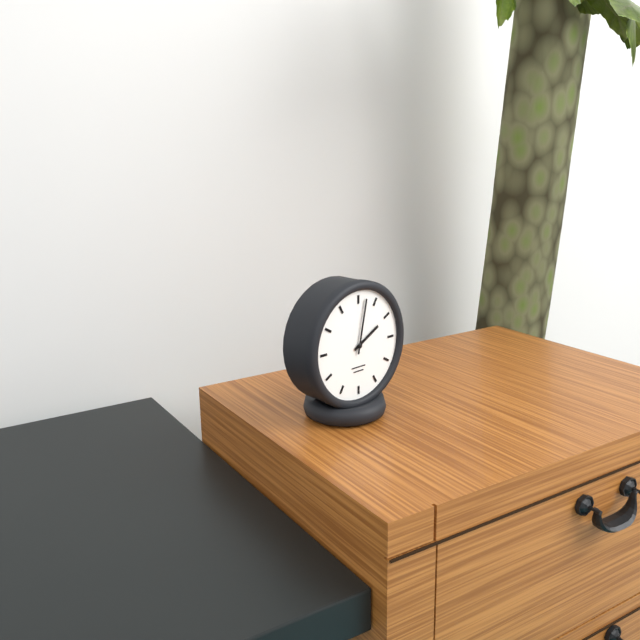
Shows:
2,02
